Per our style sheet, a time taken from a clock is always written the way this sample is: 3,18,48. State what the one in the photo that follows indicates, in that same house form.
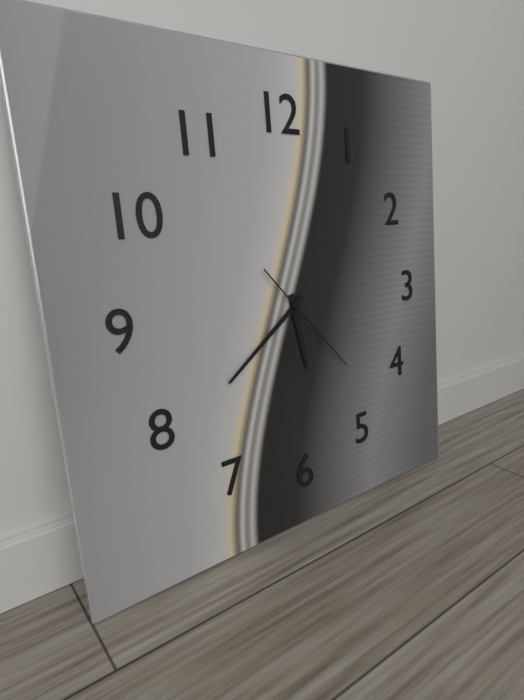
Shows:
5,39,23
